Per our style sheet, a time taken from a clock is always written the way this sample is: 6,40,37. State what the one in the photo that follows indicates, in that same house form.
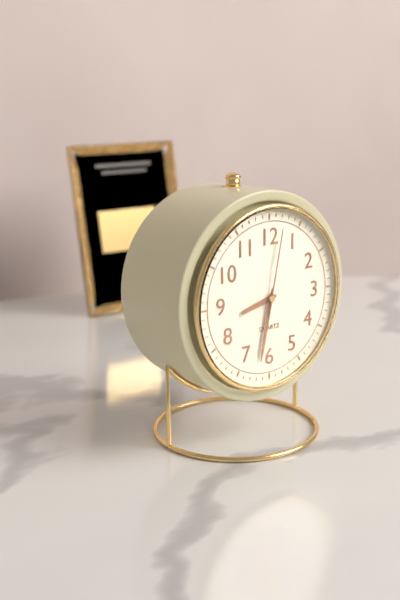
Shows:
8,32,02
